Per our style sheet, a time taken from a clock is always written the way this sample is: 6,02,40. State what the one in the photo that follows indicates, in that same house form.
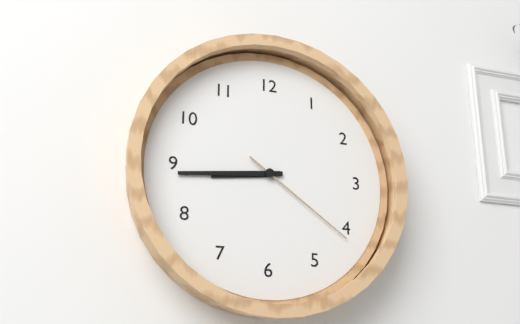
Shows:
8,44,21
